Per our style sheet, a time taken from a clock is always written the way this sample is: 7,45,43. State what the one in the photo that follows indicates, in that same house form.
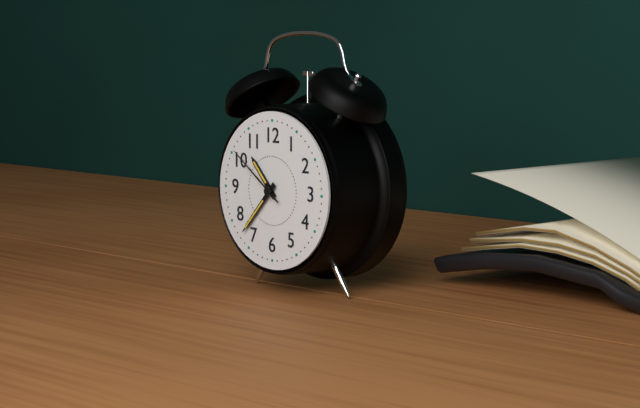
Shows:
10,37,51
